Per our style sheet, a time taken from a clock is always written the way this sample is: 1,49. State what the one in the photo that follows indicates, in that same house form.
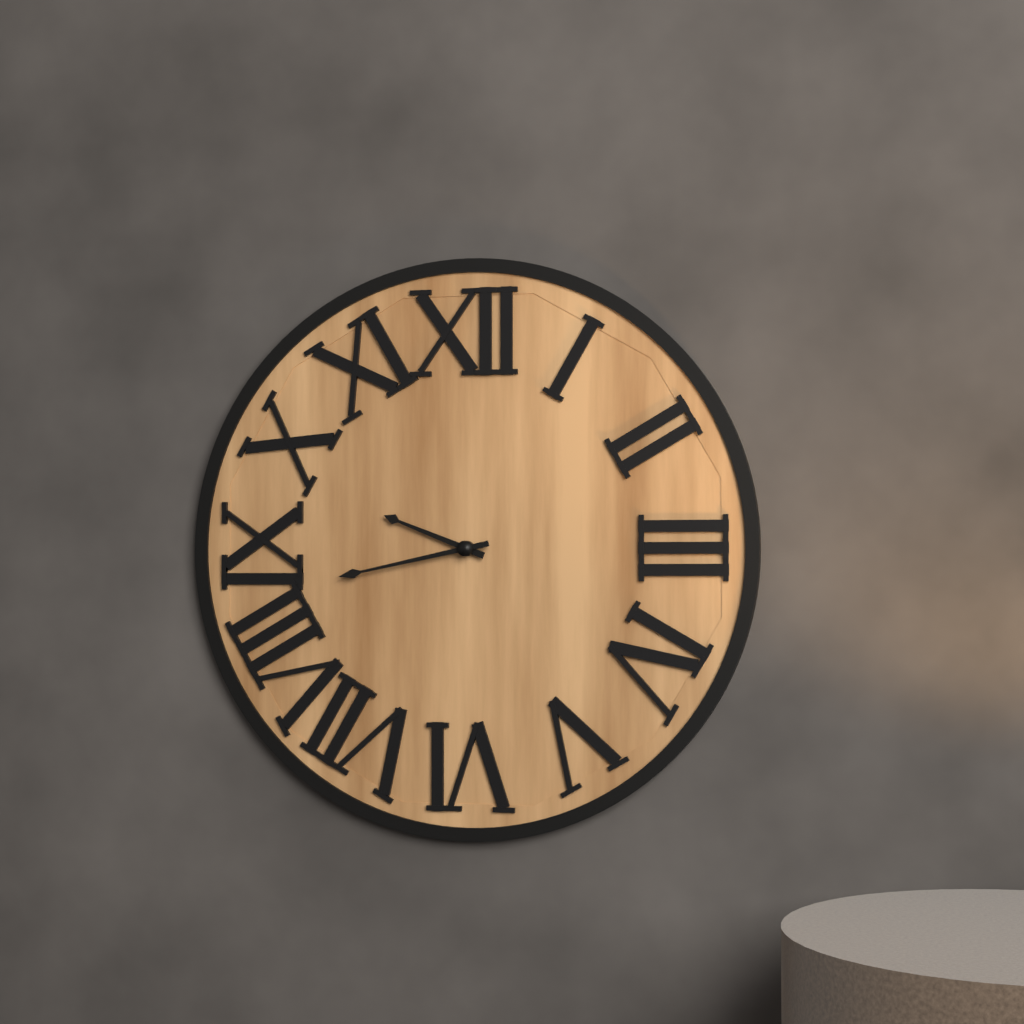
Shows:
9,43
